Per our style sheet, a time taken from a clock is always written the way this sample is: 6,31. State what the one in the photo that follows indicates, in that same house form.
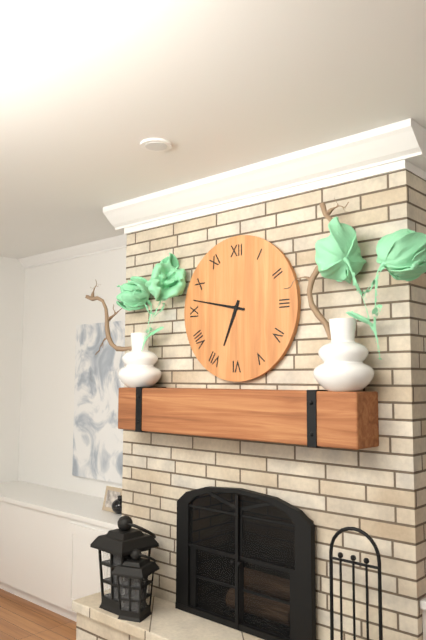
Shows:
6,47
